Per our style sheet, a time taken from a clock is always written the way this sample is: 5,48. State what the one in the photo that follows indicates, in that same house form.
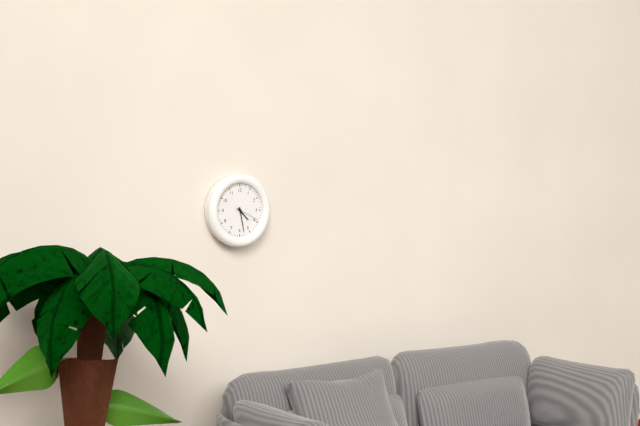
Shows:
4,28
